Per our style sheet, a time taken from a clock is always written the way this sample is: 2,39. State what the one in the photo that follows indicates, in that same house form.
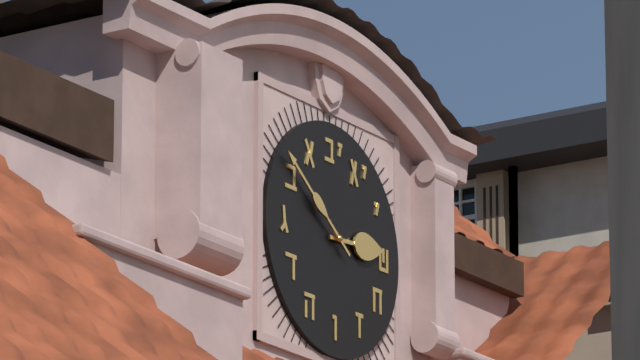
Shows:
2,51
